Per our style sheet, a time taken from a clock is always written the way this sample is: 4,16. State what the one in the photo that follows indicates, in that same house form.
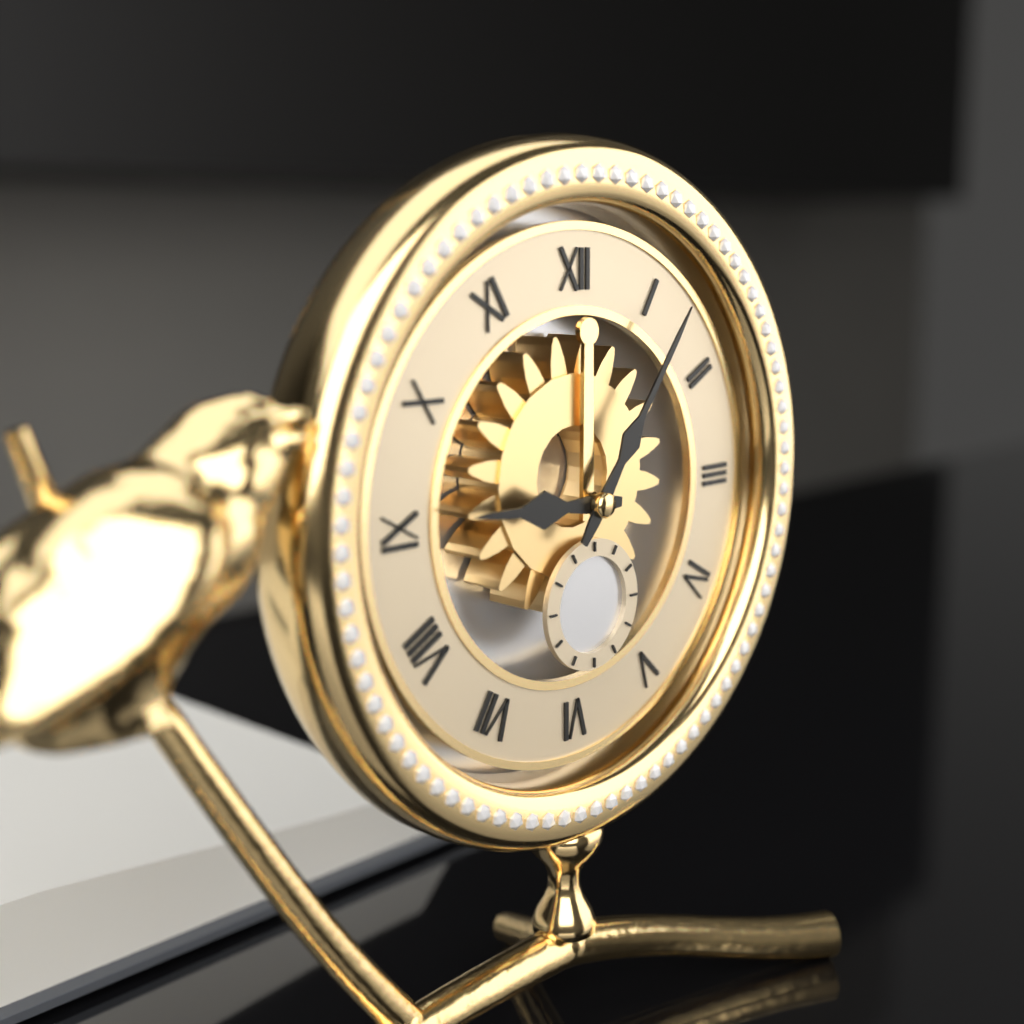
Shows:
9,06
